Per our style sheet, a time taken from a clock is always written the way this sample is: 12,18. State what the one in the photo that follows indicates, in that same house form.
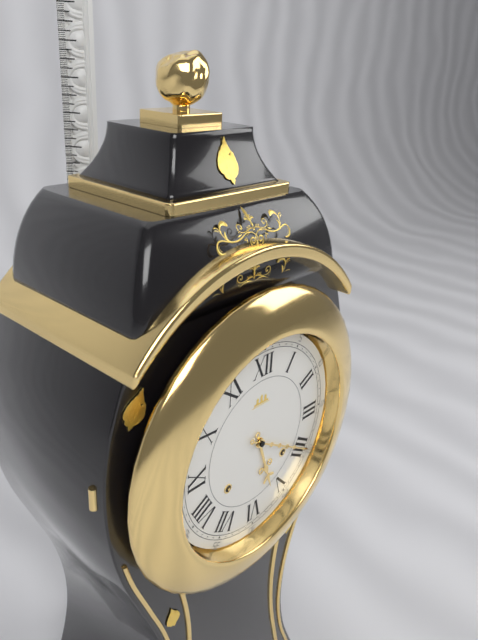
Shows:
5,20
